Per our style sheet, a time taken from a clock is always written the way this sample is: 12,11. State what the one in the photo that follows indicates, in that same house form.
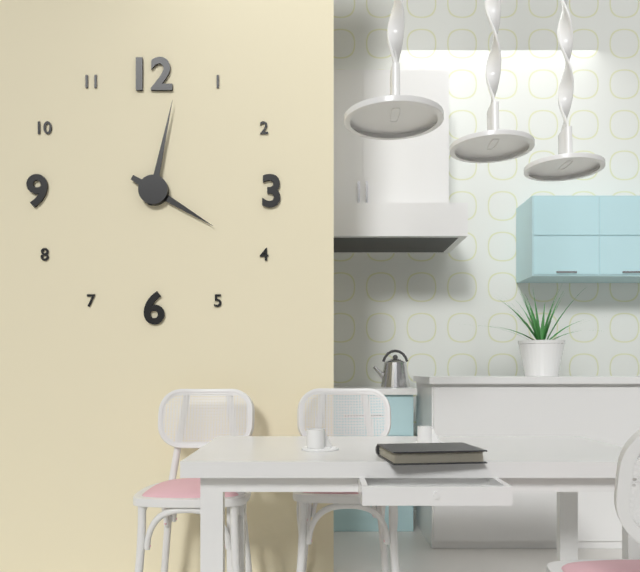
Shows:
4,02
